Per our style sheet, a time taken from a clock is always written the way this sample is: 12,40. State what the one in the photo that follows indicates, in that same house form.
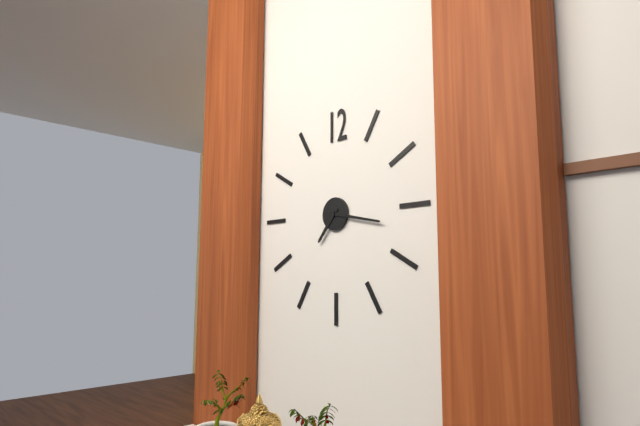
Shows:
7,17
